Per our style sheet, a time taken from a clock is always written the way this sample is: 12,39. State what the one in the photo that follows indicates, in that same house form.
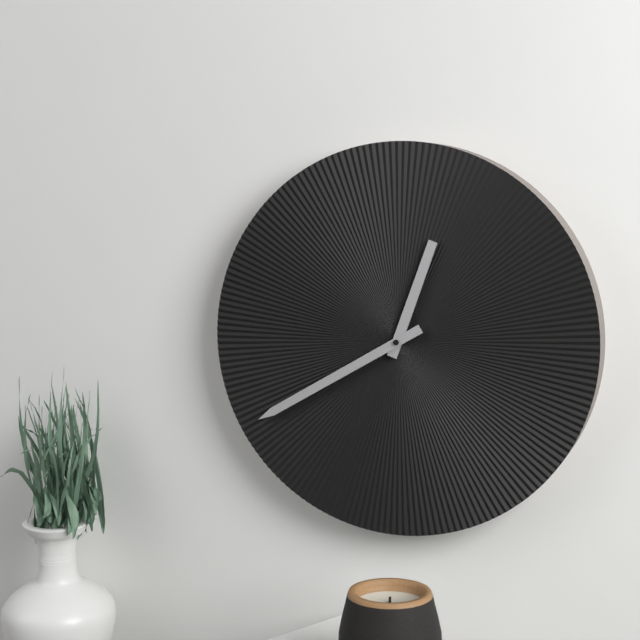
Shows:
12,40
